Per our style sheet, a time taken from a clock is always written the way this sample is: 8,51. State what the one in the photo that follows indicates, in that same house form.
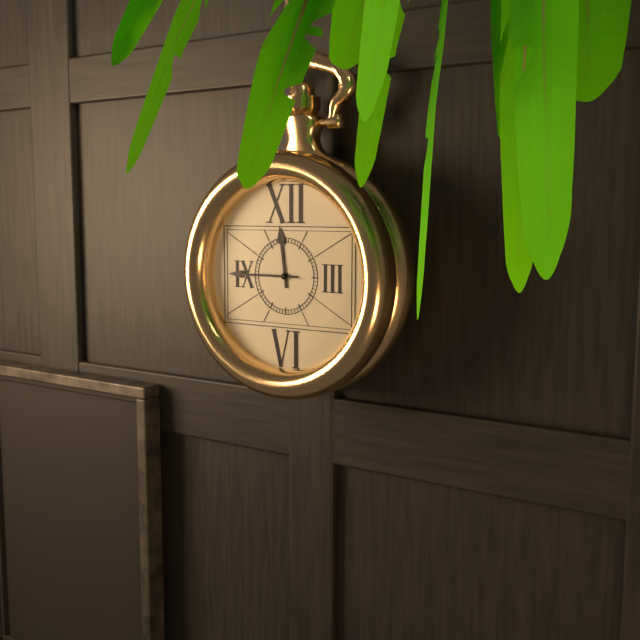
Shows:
11,45
